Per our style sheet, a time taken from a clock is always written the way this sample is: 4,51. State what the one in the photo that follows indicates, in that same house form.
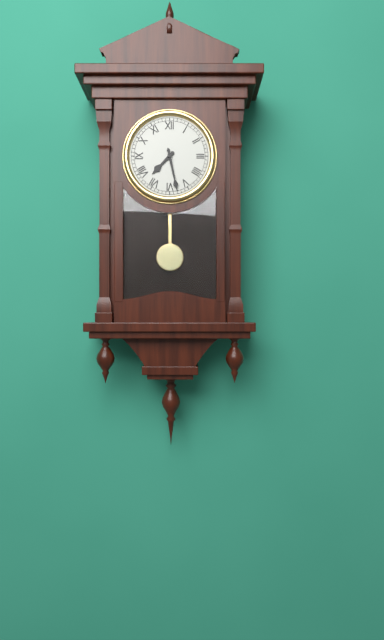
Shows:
7,28
